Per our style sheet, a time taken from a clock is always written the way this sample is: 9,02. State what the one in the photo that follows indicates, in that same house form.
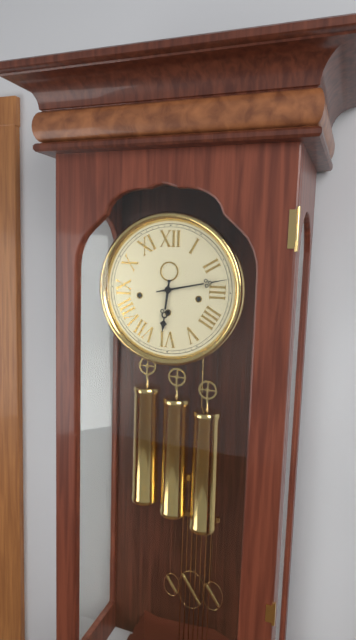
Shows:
6,13
